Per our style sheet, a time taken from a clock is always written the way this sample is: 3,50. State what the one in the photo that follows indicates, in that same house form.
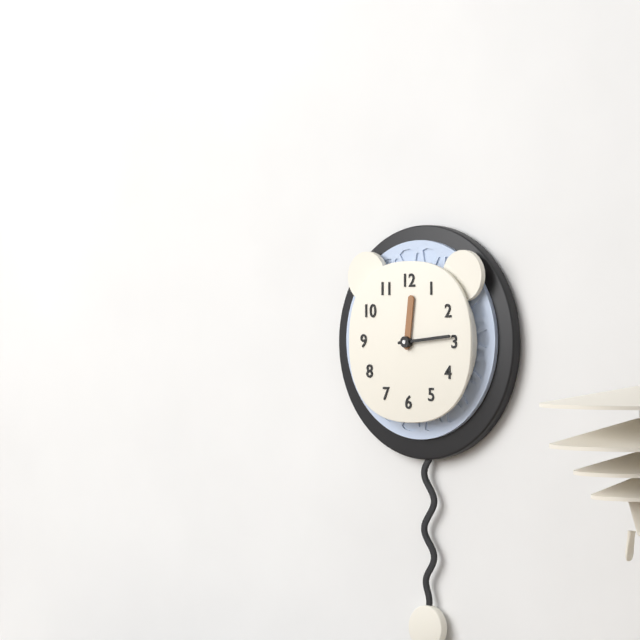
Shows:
12,14
